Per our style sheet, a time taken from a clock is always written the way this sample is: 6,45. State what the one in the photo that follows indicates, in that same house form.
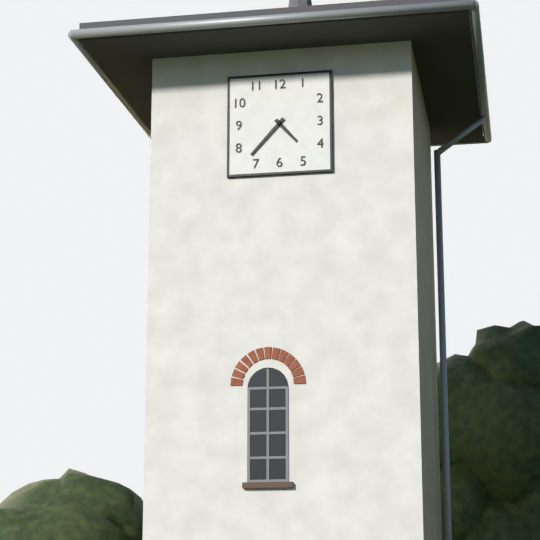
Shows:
4,37
